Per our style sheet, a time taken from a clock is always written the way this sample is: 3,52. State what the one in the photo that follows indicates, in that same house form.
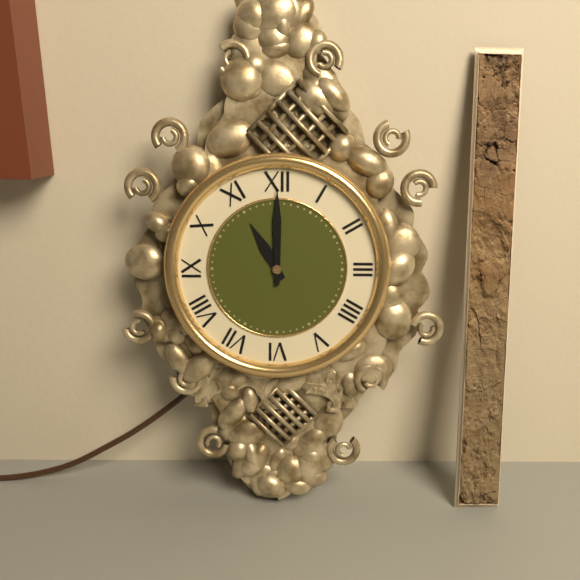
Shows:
11,00
